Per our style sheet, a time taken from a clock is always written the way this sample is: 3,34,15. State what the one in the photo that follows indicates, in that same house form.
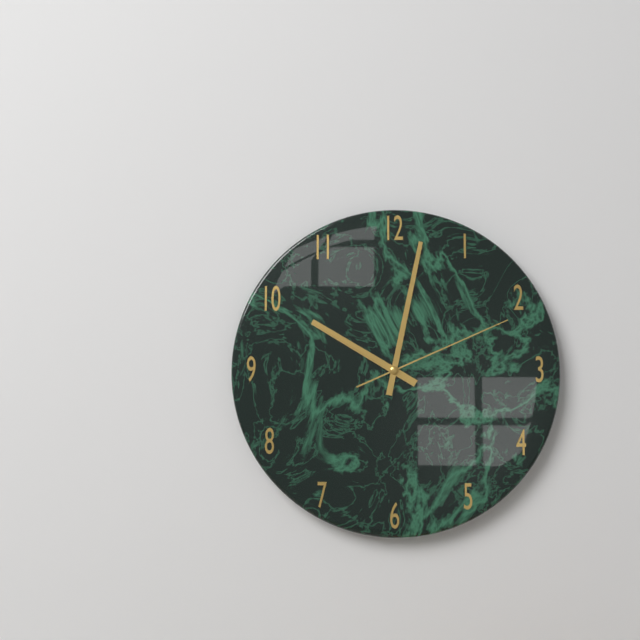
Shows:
10,02,11
